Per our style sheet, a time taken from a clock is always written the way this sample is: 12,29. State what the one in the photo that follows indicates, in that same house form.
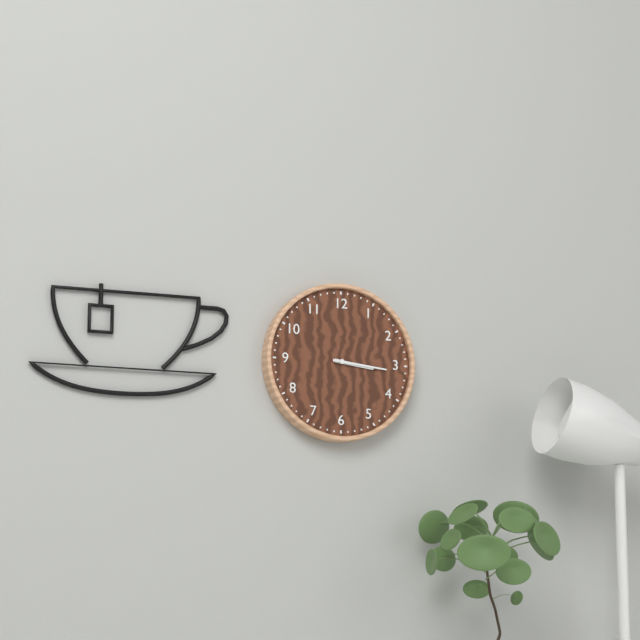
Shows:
3,16
